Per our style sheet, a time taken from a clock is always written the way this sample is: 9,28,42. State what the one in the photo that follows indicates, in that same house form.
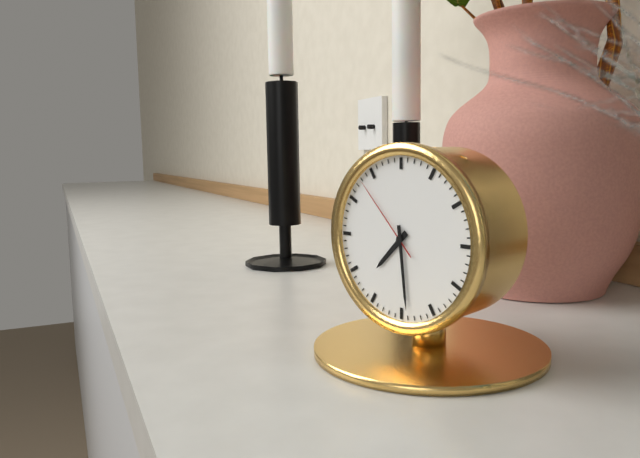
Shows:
7,29,53
